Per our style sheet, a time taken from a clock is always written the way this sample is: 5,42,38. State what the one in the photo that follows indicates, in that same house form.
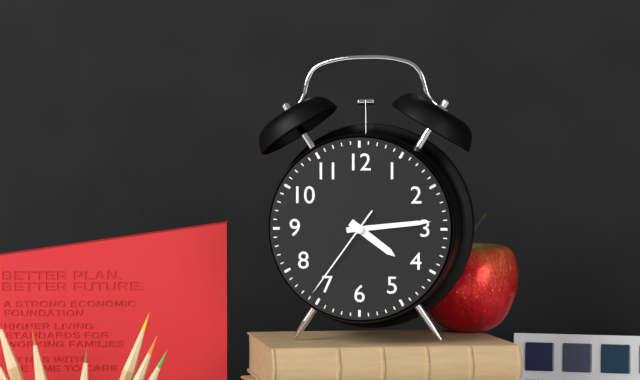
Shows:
4,14,36
